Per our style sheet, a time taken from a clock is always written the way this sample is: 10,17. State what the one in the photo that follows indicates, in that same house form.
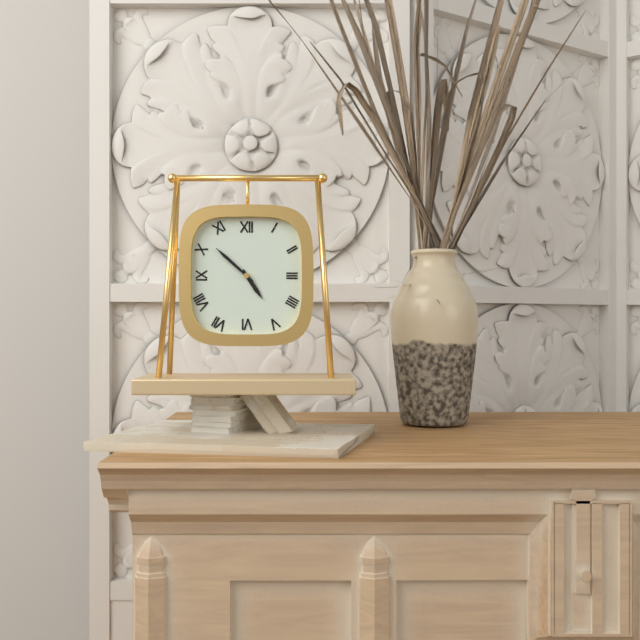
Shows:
4,52
